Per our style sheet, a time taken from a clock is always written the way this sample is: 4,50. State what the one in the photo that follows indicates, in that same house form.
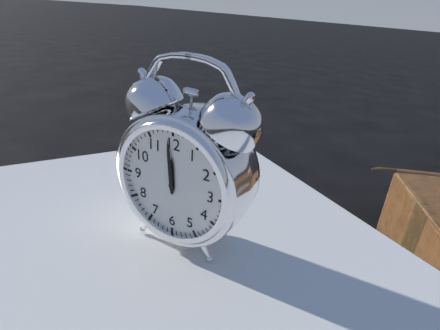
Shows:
11,59
